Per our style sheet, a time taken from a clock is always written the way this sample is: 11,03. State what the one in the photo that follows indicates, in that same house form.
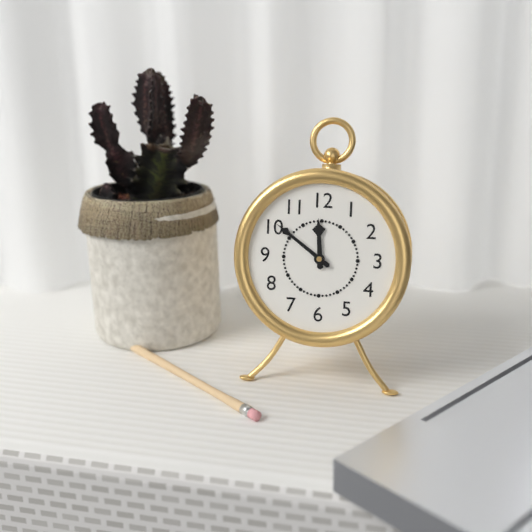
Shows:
11,51
